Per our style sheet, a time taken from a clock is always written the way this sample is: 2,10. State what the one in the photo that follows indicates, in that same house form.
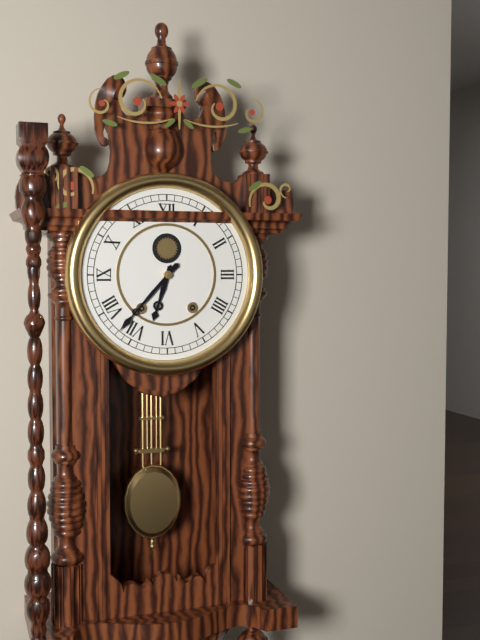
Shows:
6,37
